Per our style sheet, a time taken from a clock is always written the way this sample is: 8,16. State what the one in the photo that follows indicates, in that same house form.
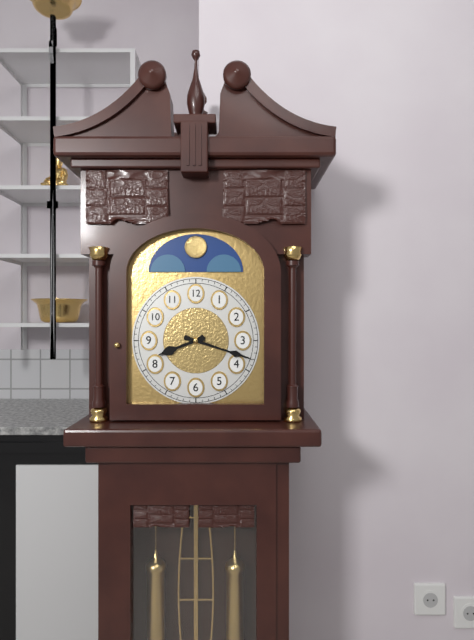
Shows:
8,18
